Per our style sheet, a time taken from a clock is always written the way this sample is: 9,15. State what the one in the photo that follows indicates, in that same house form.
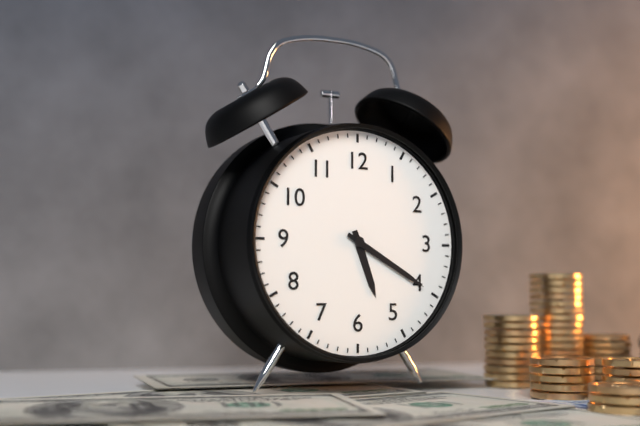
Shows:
5,20
